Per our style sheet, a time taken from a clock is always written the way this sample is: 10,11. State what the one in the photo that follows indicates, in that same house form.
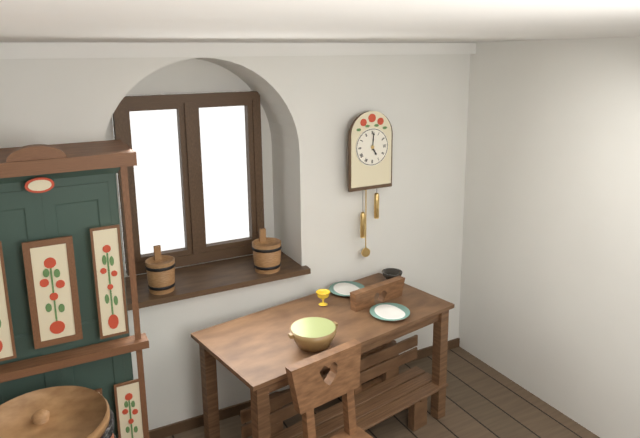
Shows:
5,01
